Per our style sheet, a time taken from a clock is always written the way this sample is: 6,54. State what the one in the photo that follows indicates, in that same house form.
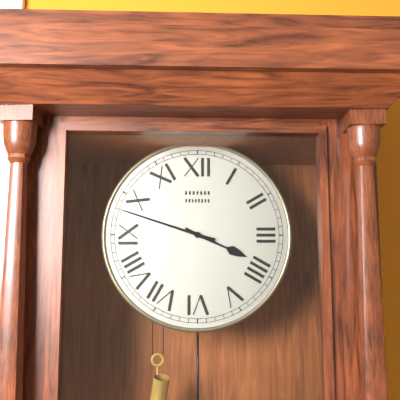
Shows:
3,48
